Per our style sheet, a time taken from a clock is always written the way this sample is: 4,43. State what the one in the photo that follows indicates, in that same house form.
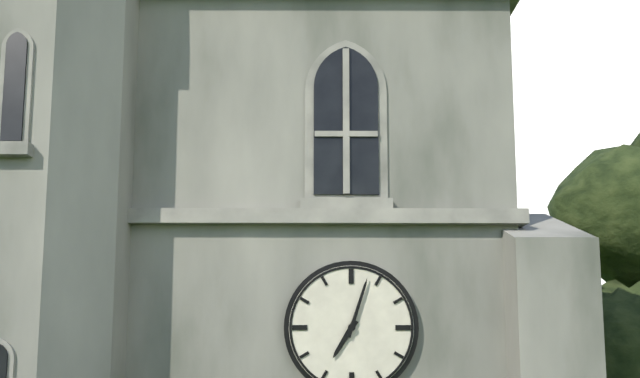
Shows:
7,03
